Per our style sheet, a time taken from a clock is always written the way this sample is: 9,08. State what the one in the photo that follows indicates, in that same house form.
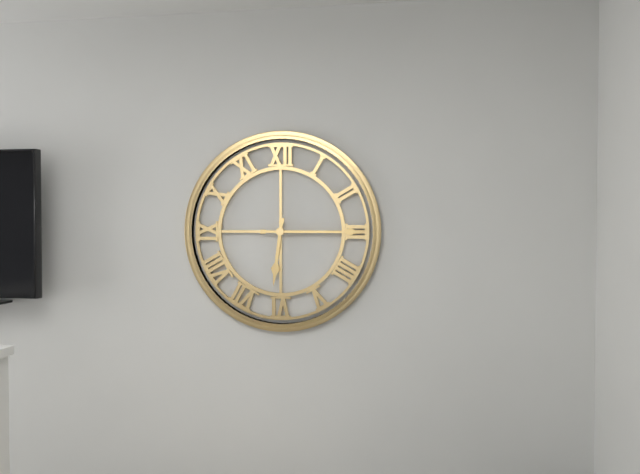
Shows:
6,15
